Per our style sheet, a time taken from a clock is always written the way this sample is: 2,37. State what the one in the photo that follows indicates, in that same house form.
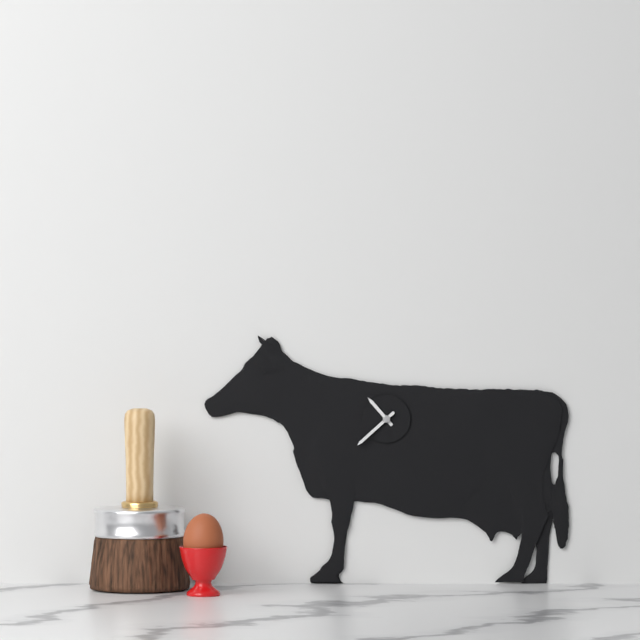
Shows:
10,38
